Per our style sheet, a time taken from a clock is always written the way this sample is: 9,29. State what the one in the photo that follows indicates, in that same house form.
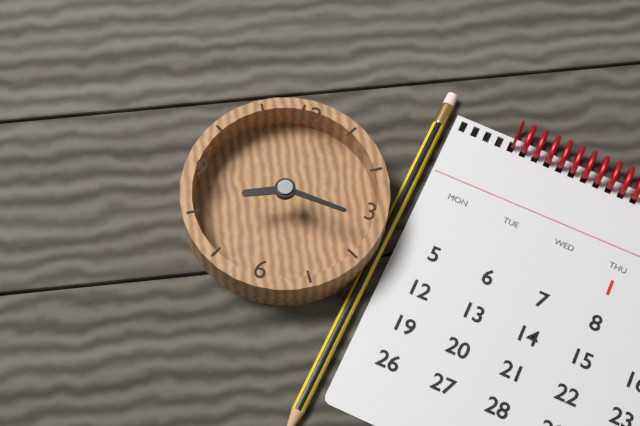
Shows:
8,16
